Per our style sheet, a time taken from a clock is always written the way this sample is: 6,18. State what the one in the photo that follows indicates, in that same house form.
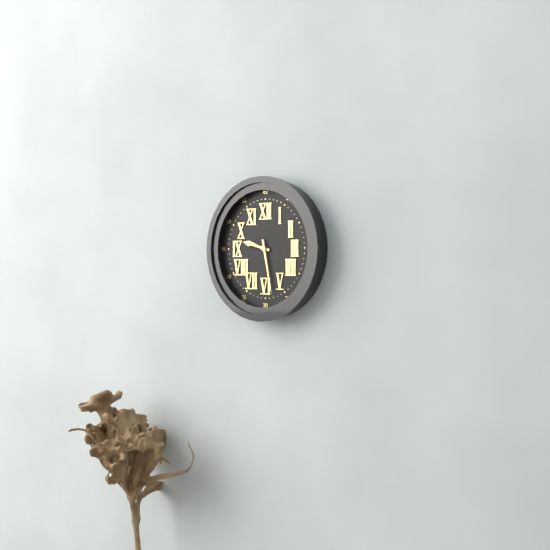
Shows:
9,28
